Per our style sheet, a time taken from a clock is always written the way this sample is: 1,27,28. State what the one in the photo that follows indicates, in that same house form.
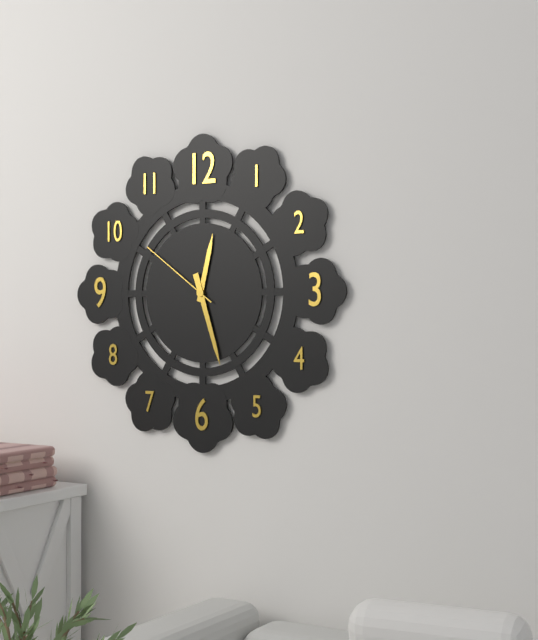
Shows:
12,27,51
